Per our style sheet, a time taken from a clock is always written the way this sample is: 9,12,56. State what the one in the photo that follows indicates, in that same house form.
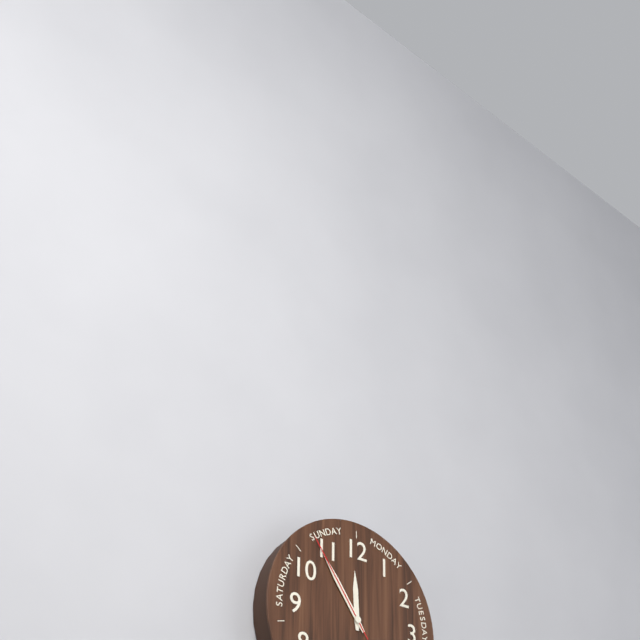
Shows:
11,54,54
